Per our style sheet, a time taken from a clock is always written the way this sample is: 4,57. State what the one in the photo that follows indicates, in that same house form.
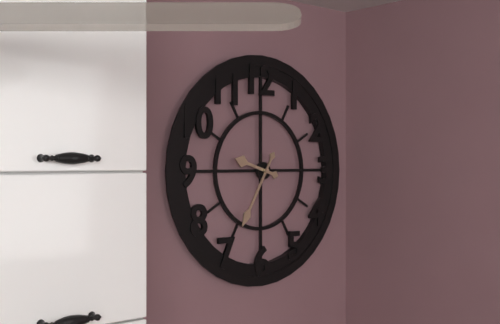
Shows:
9,35
